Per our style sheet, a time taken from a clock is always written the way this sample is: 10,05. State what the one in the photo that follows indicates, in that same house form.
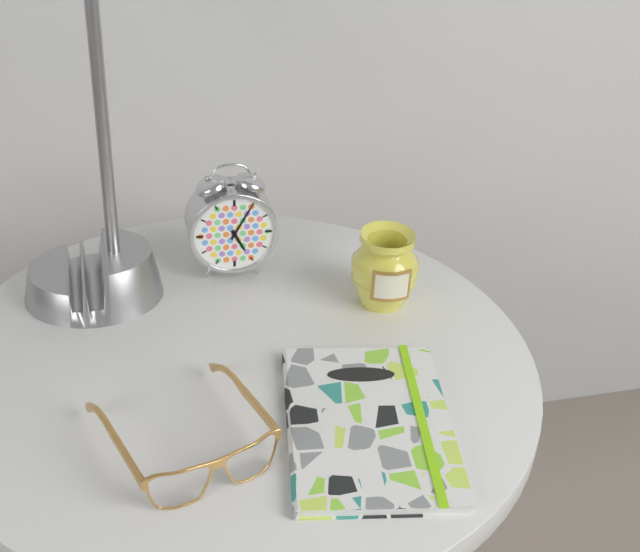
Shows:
5,05
